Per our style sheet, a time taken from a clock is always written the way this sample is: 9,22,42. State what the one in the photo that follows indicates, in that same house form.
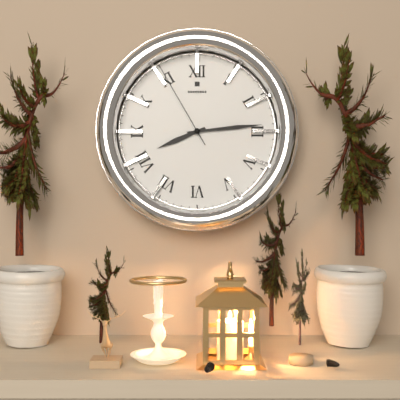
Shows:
8,14,55
